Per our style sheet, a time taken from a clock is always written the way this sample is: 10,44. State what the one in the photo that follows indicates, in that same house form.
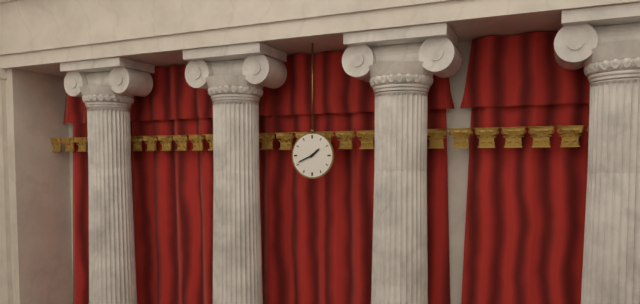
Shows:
1,41
